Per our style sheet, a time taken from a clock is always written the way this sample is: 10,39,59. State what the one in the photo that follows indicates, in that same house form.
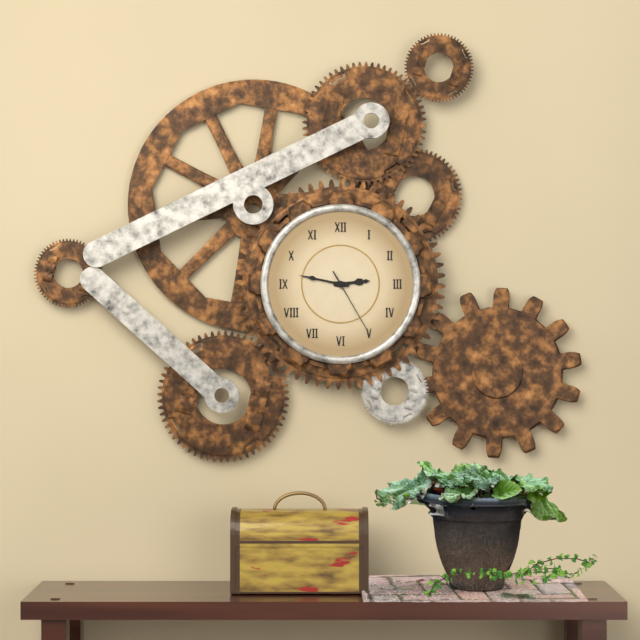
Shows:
2,47,25
